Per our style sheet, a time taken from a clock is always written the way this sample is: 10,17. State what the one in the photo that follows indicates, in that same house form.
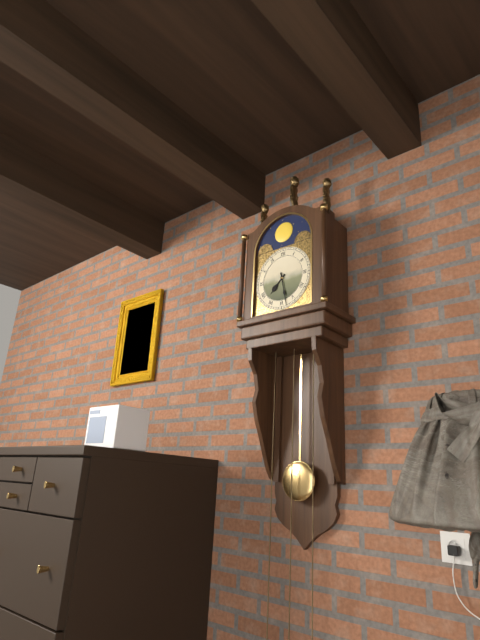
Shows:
7,28
